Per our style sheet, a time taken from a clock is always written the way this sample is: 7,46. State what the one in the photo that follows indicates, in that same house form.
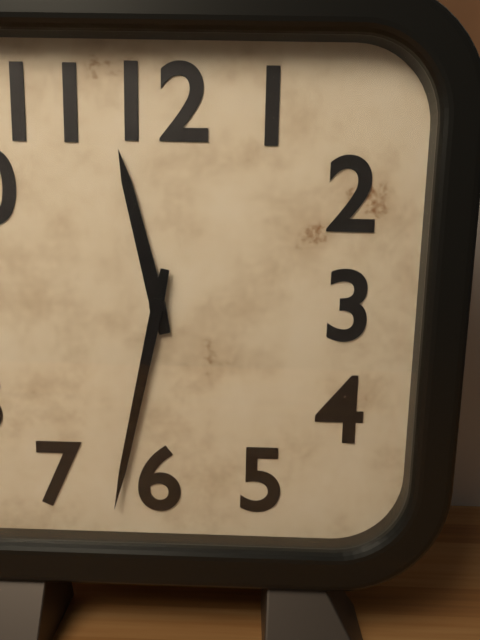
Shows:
11,32
